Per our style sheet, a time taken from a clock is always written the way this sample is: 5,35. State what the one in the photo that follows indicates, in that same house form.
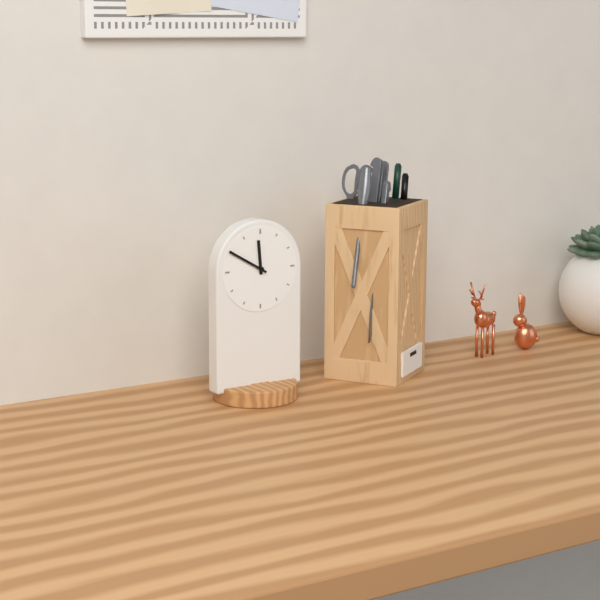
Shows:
11,50
